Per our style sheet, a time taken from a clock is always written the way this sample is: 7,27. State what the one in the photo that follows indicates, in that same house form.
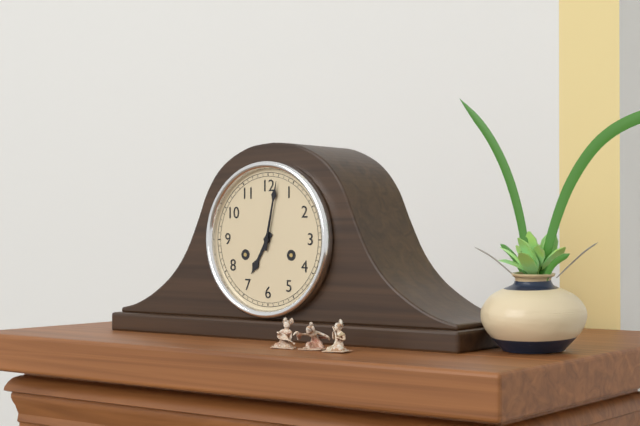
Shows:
7,02
